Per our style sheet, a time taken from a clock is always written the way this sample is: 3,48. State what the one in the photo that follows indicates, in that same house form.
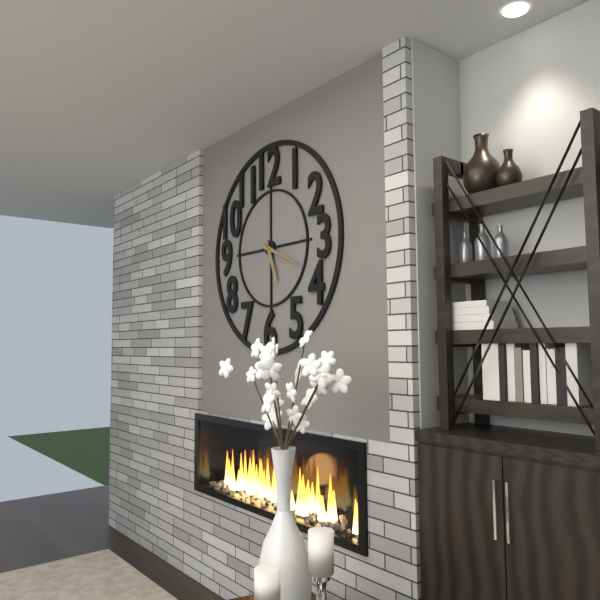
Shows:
5,19
